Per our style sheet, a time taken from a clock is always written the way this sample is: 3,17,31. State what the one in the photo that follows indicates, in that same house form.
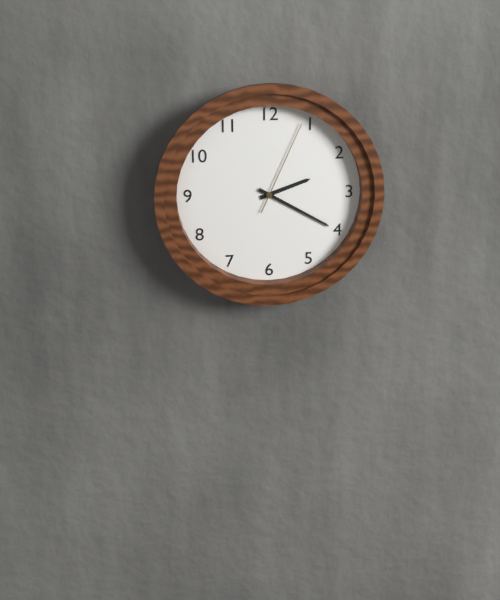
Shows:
2,20,04
